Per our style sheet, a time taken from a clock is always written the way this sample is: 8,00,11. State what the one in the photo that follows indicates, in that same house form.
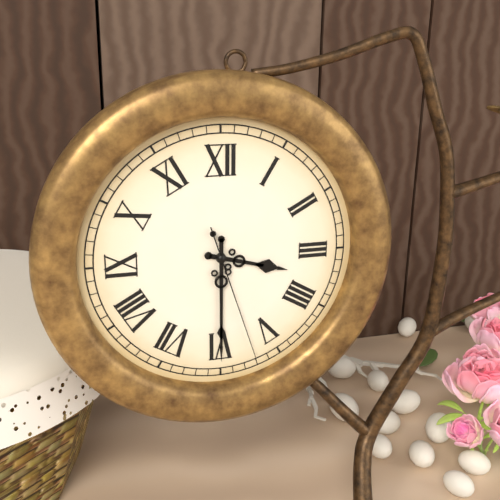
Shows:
3,30,27
